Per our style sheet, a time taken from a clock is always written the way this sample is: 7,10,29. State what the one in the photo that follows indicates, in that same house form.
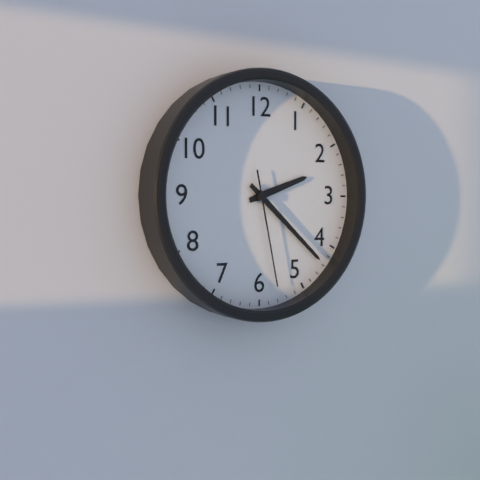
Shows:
2,22,28
